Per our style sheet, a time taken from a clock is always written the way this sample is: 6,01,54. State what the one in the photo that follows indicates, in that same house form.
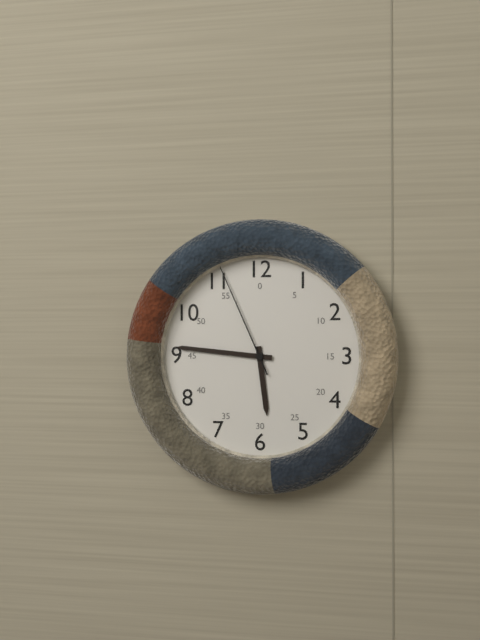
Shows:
5,46,56
